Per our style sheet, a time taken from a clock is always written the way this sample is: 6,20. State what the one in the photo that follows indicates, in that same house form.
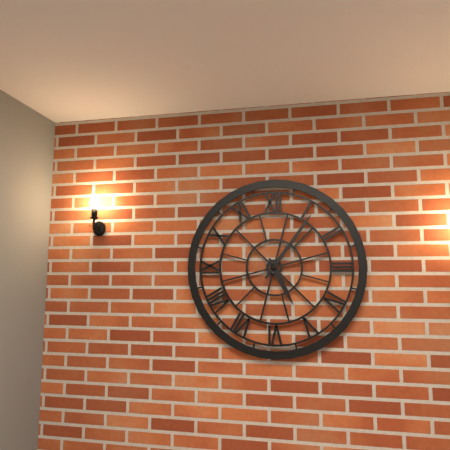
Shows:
5,06
